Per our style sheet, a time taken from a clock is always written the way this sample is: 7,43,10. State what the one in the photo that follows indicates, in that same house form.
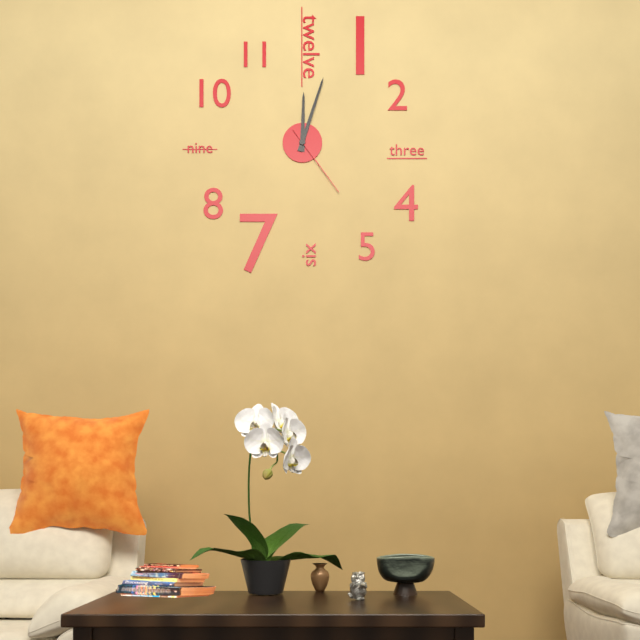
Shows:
12,03,24
